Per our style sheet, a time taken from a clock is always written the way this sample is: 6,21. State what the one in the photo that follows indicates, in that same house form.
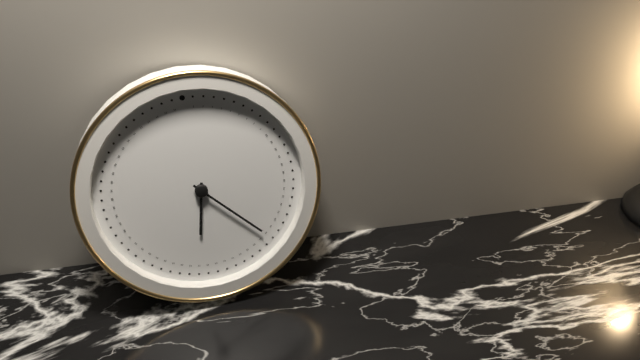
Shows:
6,23
